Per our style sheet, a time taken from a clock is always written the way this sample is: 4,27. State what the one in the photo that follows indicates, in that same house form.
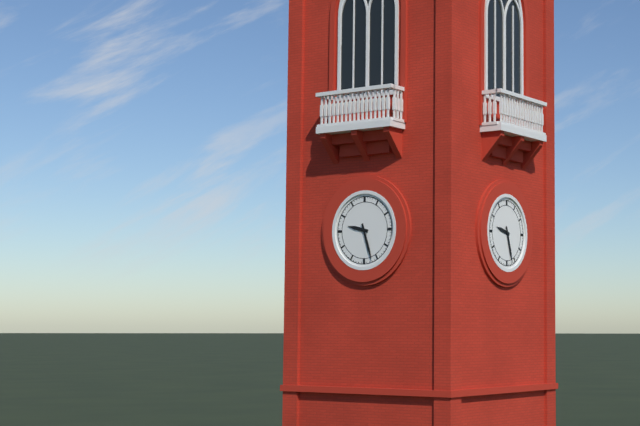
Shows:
9,27
